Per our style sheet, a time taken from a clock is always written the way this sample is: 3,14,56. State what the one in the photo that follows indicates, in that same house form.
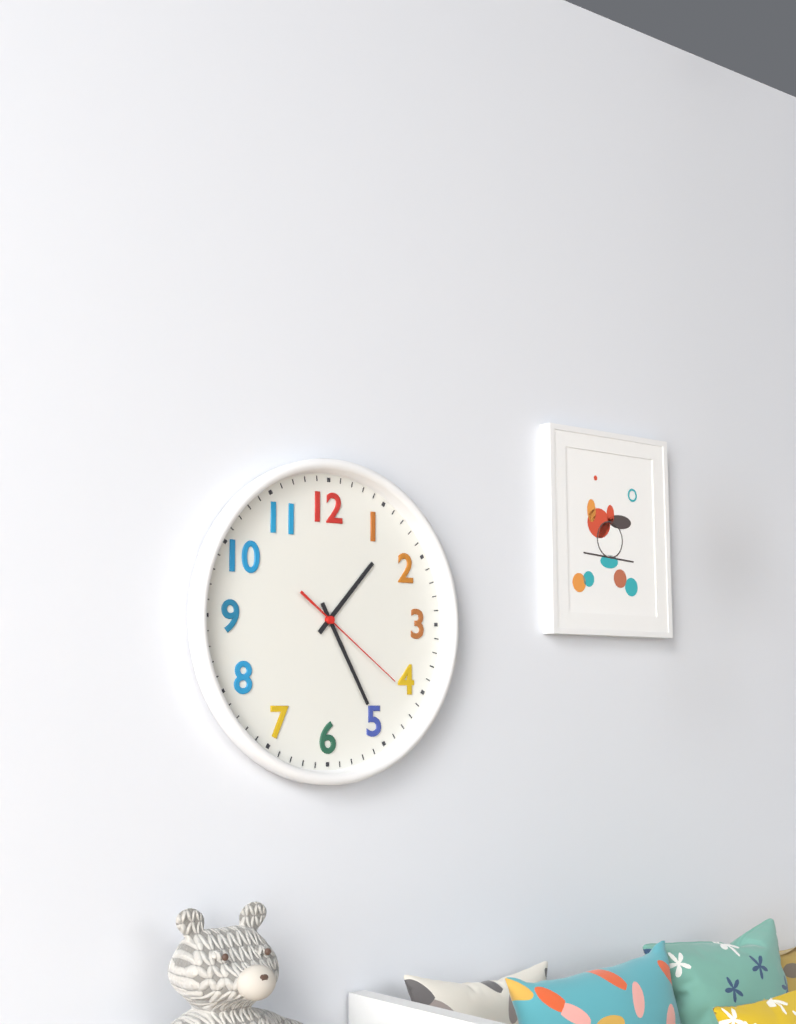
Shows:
1,25,21
